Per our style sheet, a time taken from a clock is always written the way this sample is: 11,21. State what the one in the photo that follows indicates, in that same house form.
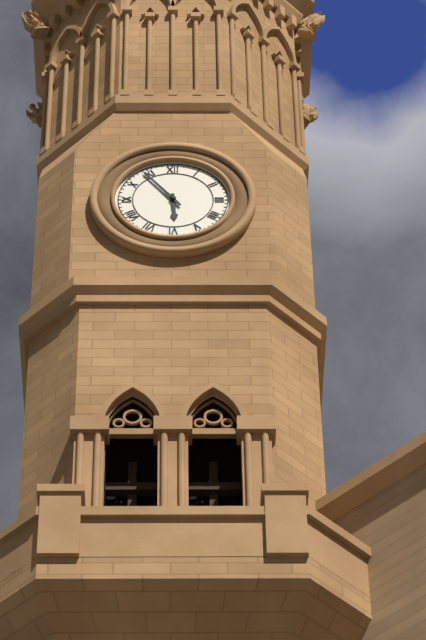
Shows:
5,54
